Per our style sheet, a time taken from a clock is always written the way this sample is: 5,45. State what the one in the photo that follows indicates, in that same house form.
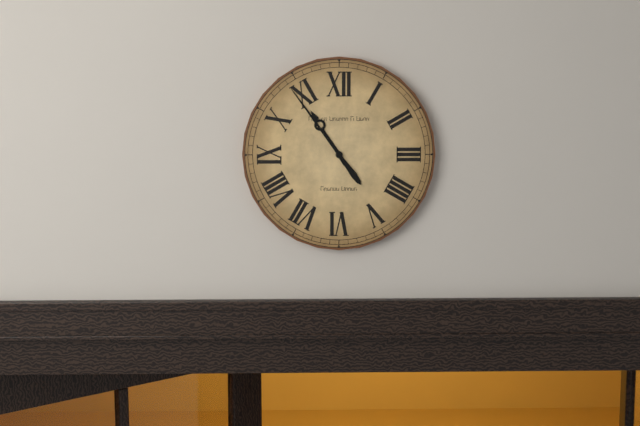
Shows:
10,54
